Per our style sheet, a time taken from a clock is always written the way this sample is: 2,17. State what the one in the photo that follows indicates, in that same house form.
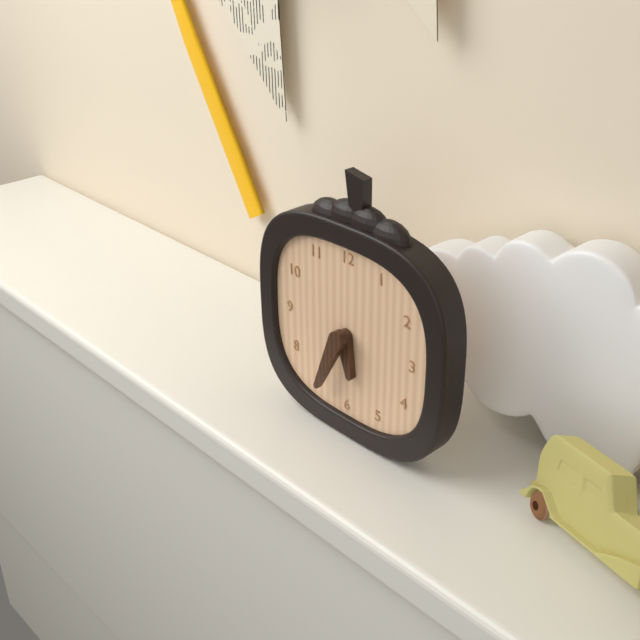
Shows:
5,34
